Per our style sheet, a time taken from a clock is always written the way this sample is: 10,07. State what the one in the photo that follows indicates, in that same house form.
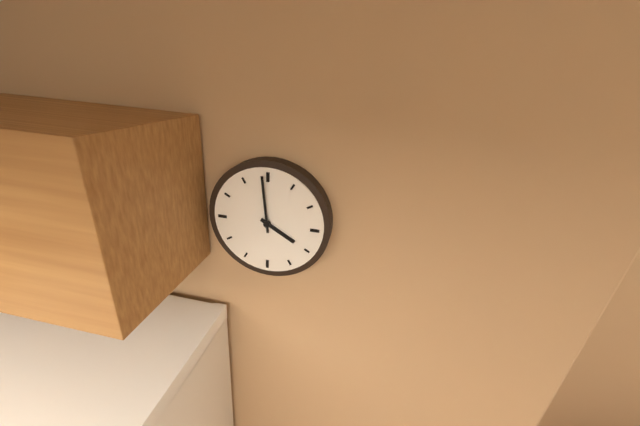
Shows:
3,59
